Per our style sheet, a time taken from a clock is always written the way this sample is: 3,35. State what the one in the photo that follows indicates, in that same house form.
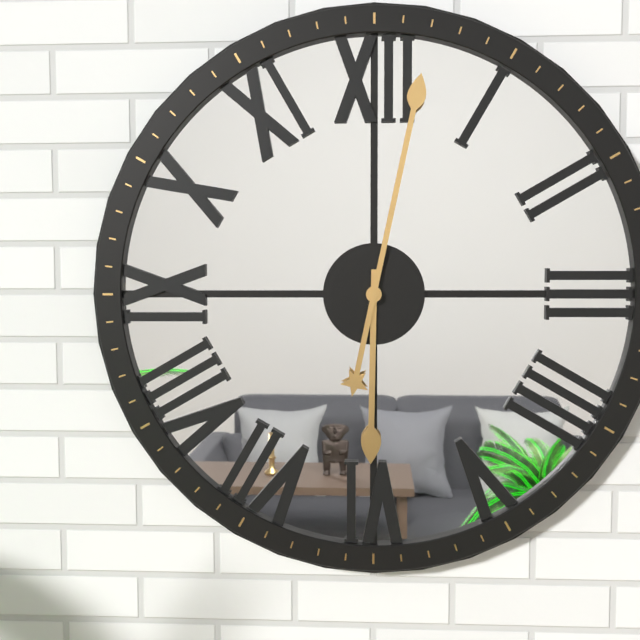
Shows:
6,02
